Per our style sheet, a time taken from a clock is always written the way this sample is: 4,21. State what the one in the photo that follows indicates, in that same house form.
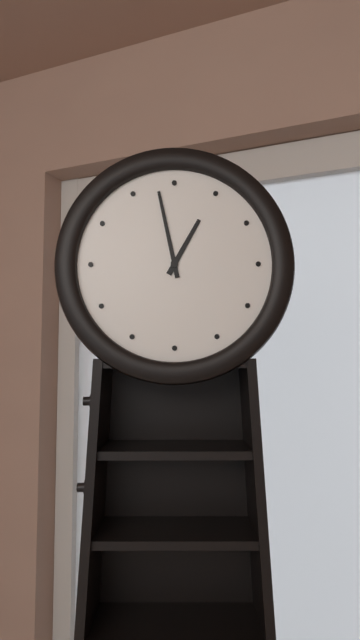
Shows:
12,58
